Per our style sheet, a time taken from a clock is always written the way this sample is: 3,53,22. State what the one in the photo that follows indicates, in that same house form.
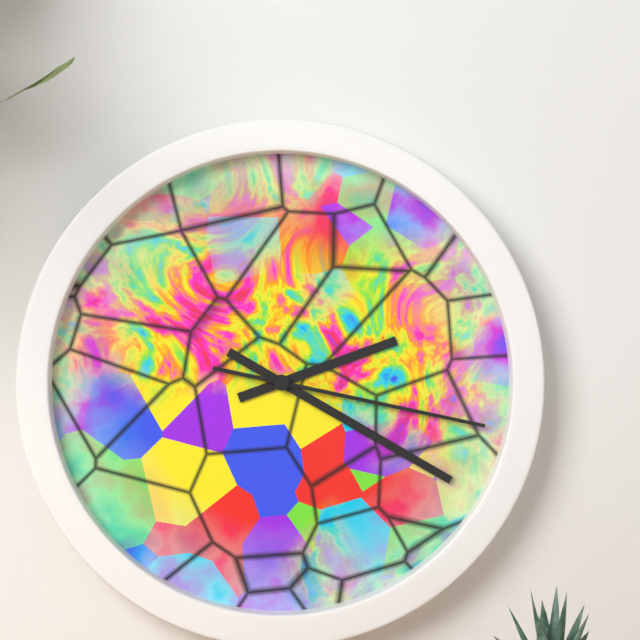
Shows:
2,20,17
